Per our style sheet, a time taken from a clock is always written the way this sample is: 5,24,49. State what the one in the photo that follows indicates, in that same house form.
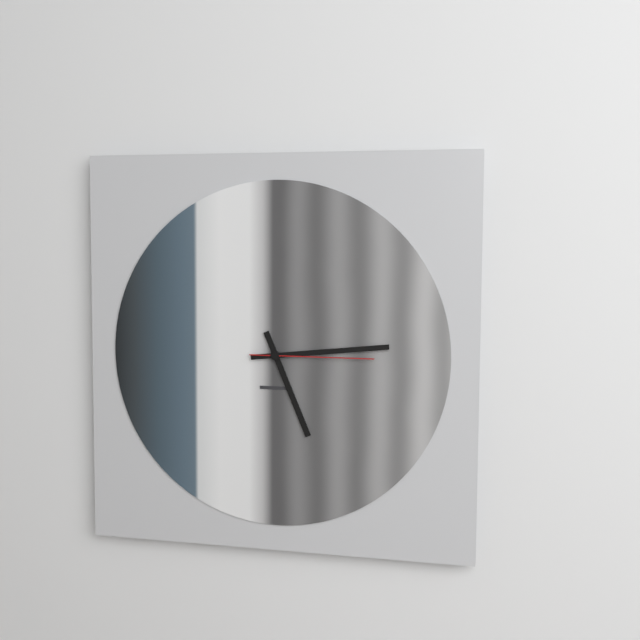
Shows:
5,14,15
